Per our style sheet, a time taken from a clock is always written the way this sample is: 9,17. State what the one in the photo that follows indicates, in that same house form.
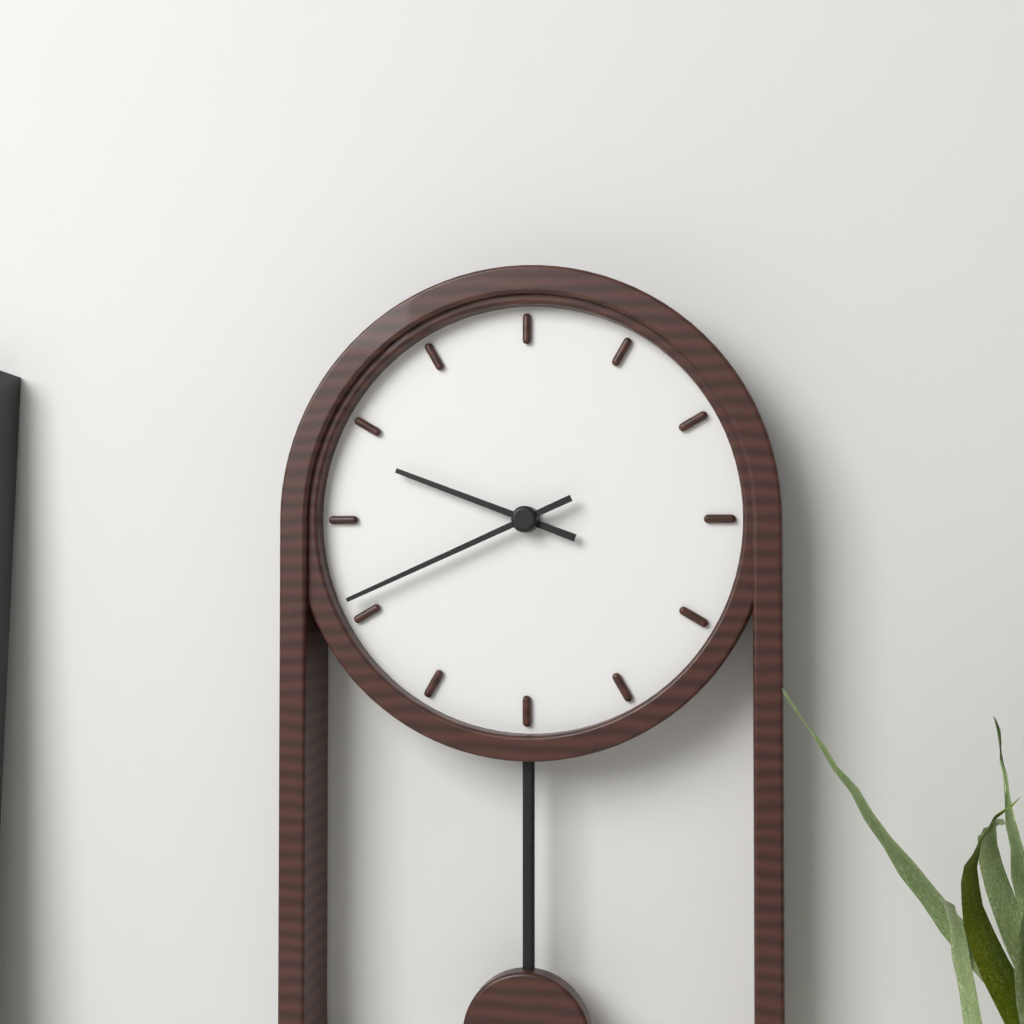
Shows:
9,41
